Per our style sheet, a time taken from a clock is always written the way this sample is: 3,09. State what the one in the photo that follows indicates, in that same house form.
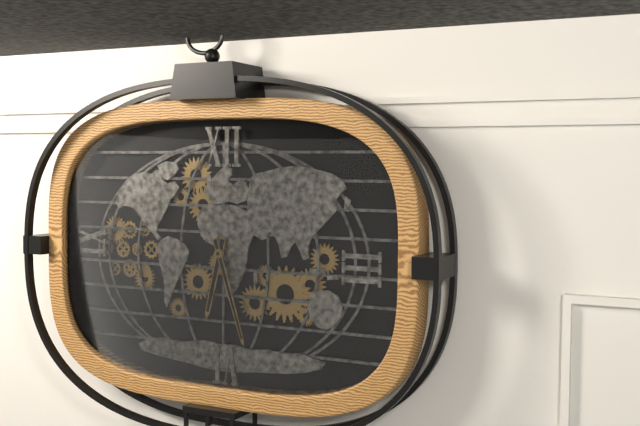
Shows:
6,27
